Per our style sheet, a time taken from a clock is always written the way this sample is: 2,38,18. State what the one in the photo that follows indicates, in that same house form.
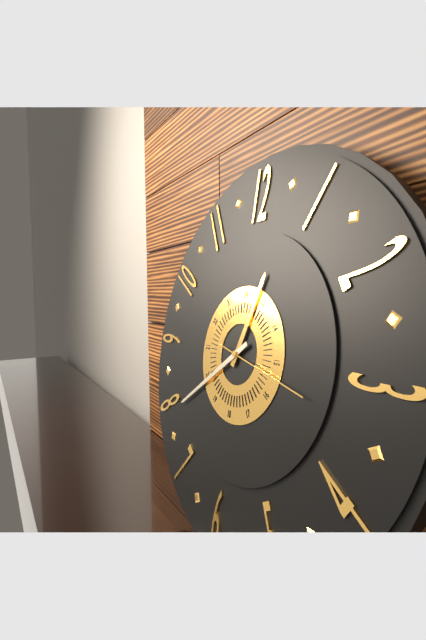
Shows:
12,39,17
